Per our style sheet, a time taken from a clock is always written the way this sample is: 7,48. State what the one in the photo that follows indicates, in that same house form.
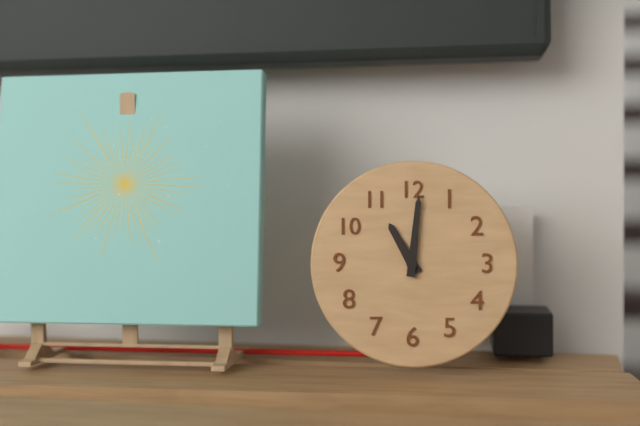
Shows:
11,01
